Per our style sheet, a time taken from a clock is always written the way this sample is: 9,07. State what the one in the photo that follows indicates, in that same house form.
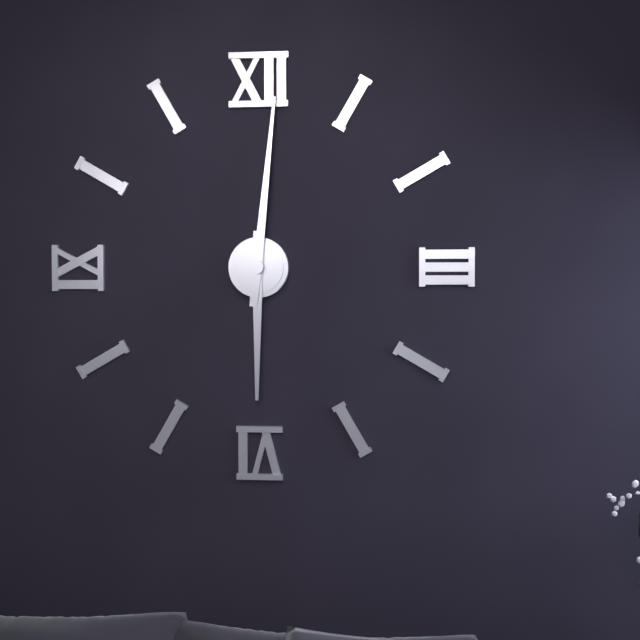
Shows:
6,01
